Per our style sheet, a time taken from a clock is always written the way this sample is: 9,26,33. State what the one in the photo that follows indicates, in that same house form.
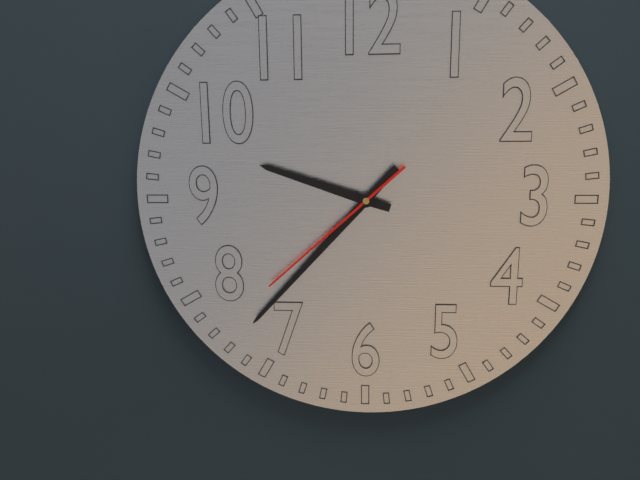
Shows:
9,37,38
